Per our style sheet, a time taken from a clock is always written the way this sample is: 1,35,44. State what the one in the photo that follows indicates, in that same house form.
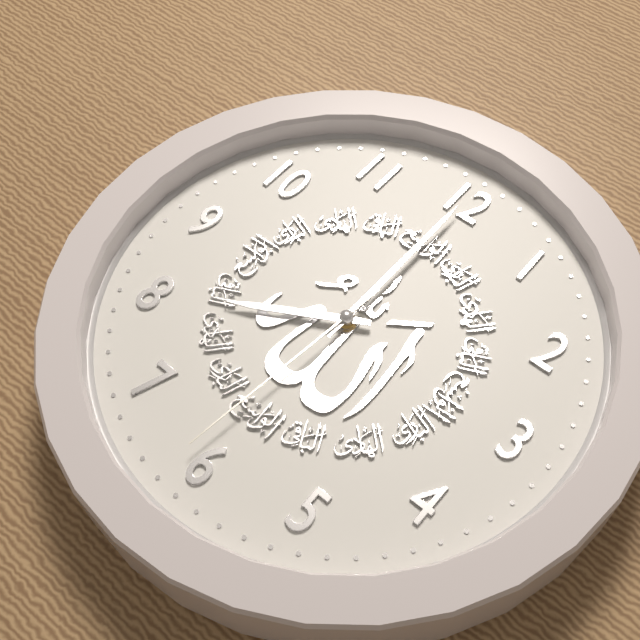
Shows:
8,00,31
